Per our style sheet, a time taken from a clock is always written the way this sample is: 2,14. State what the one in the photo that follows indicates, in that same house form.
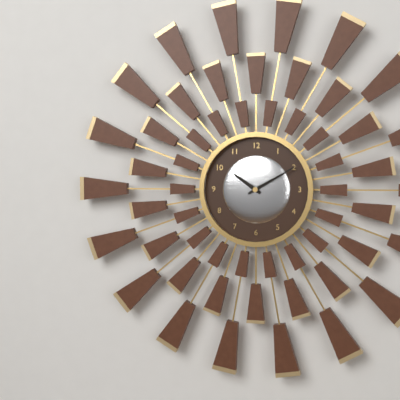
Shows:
10,10
